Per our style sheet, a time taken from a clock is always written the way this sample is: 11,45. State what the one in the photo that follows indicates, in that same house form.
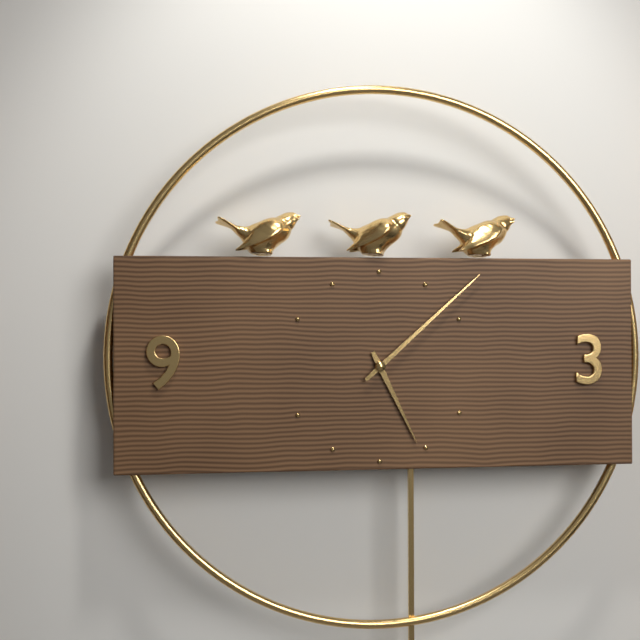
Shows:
5,08
